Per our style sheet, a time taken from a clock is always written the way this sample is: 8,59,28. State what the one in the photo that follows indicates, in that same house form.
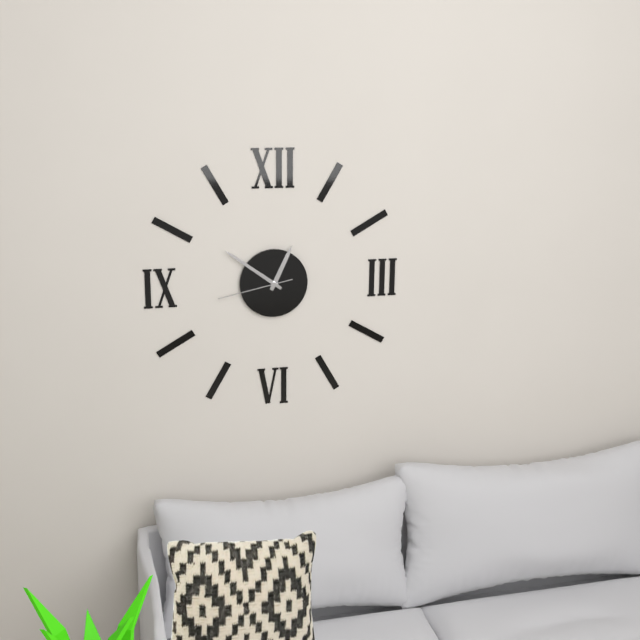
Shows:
12,51,43
